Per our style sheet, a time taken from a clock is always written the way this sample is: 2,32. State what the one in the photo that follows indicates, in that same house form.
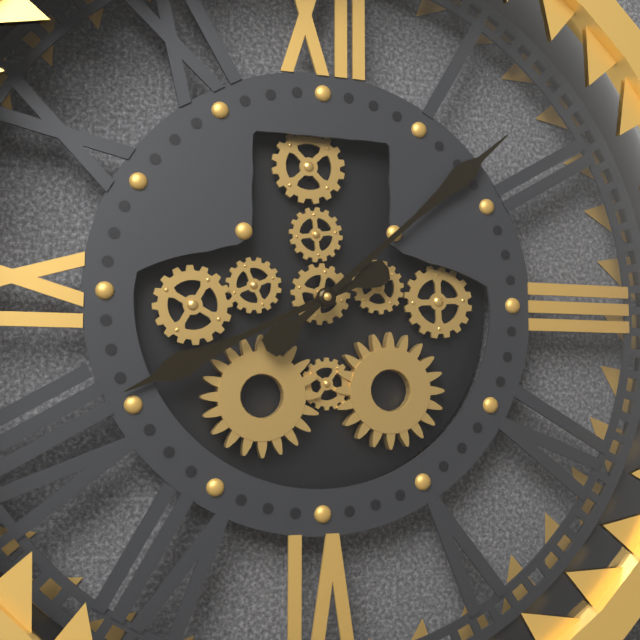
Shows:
8,08
